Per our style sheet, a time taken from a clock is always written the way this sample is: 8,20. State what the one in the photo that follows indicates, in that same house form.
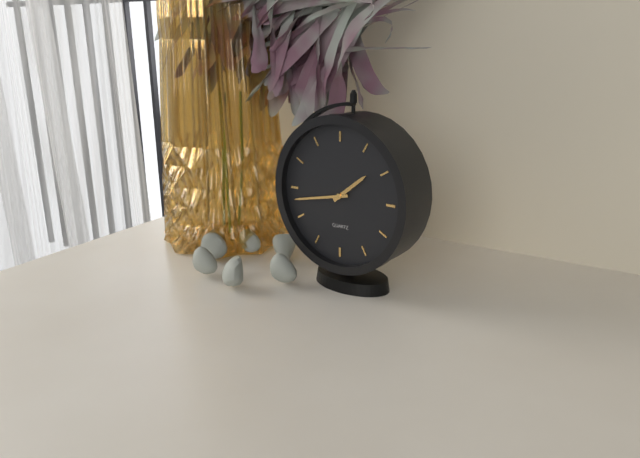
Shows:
1,43
